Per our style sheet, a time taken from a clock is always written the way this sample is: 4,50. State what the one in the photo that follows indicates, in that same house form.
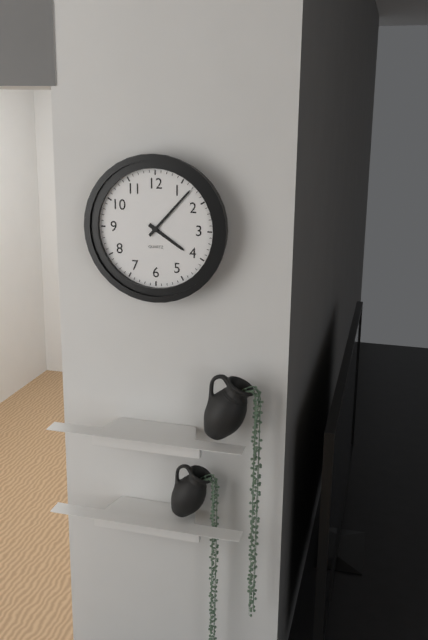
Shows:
4,07
